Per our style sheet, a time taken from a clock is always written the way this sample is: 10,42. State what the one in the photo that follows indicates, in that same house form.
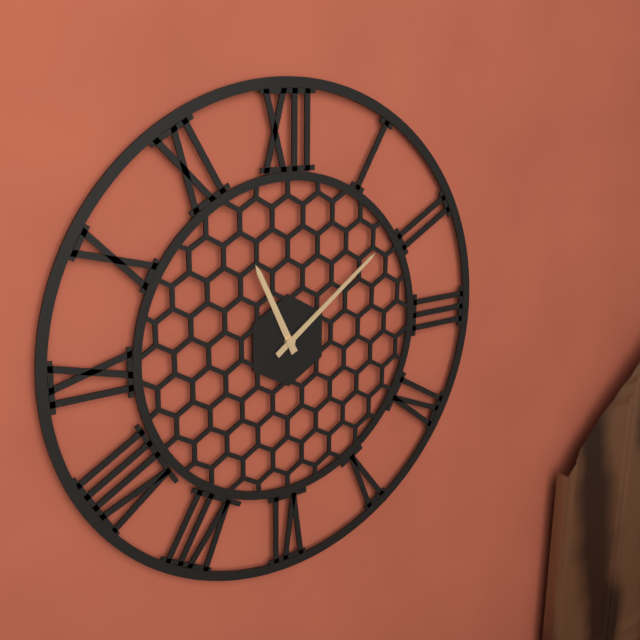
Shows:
11,09
